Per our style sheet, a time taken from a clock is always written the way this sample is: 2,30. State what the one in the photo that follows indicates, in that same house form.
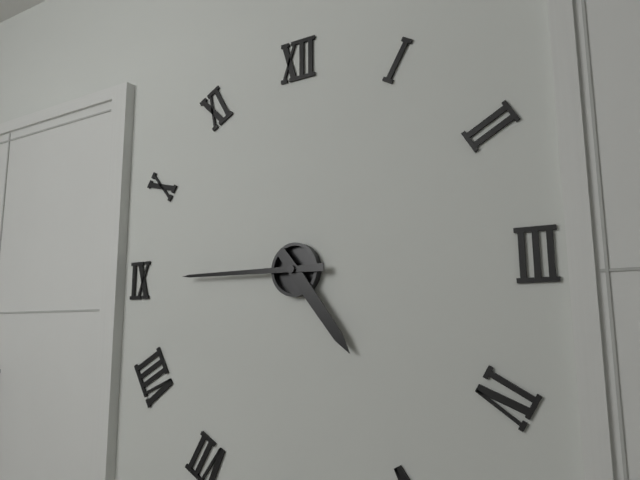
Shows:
4,45
